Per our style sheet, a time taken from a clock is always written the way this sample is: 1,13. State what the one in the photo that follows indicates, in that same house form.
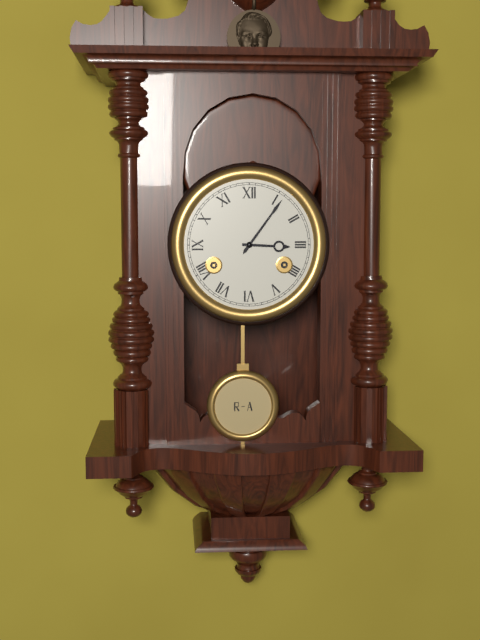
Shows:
3,06
